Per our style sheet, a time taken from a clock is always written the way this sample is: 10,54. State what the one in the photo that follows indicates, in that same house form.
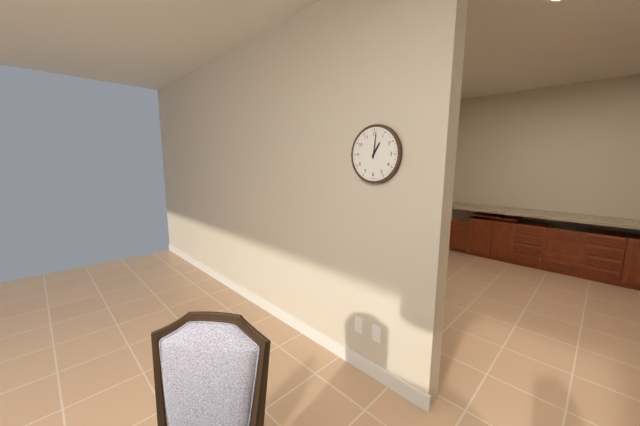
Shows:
1,01
